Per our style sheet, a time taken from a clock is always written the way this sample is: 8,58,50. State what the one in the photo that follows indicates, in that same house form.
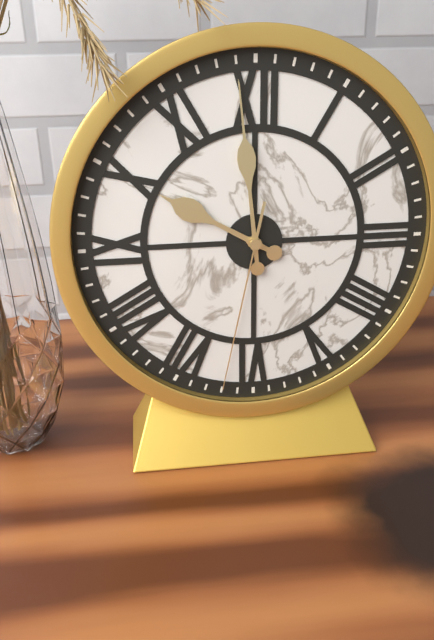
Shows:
9,59,32
